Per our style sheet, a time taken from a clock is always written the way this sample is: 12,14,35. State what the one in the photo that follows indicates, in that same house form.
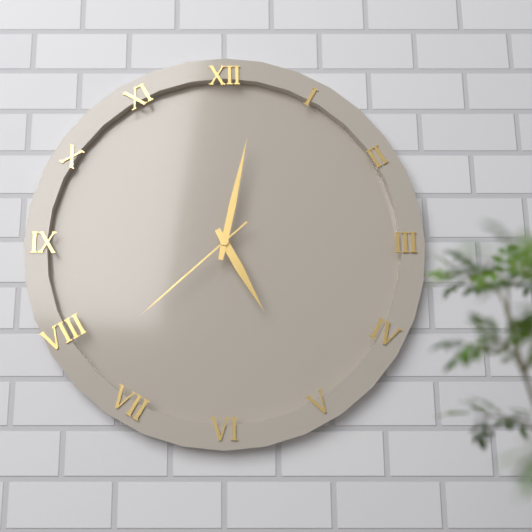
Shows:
5,02,38
